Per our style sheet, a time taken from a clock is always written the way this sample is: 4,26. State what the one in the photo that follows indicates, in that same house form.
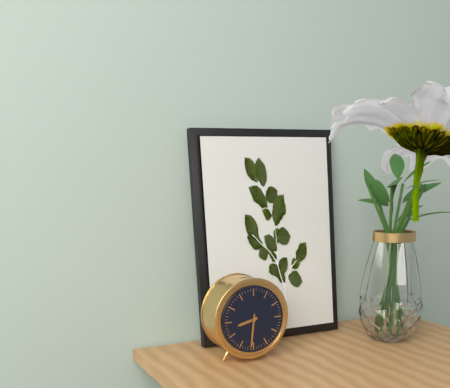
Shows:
8,31
